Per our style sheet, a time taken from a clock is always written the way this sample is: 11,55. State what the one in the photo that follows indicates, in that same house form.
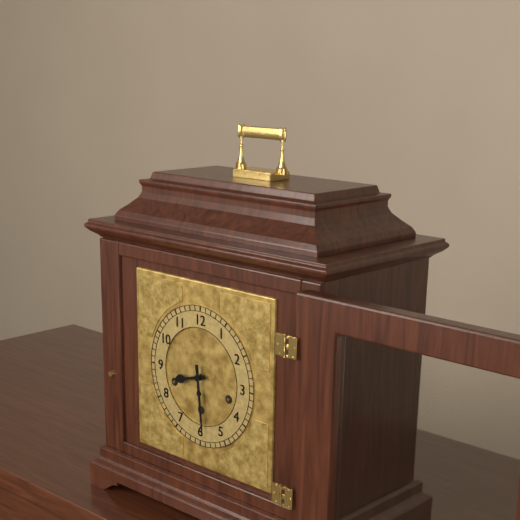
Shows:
8,29
